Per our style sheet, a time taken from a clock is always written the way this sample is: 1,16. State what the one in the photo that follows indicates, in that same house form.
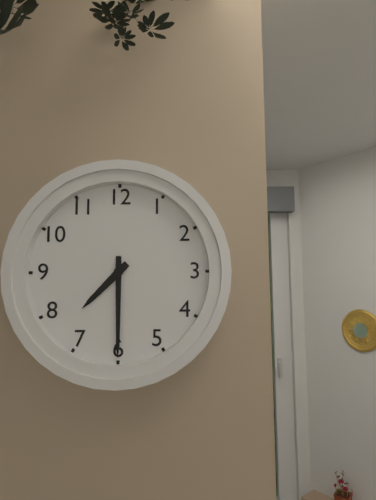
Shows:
7,30
